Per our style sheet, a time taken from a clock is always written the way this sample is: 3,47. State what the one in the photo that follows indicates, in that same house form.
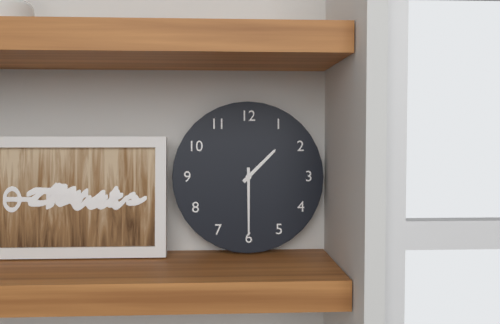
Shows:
1,30
